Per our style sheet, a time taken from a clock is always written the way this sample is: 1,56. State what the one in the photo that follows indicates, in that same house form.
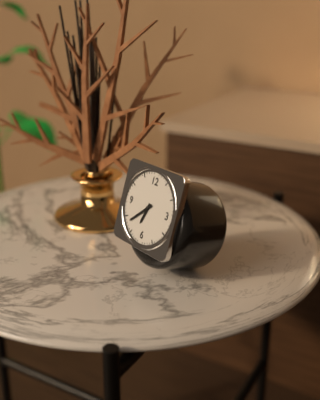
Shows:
6,38
